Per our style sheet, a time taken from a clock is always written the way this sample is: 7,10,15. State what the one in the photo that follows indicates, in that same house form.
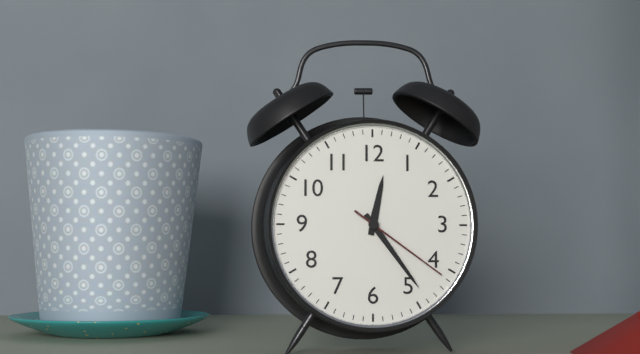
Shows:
12,24,21
